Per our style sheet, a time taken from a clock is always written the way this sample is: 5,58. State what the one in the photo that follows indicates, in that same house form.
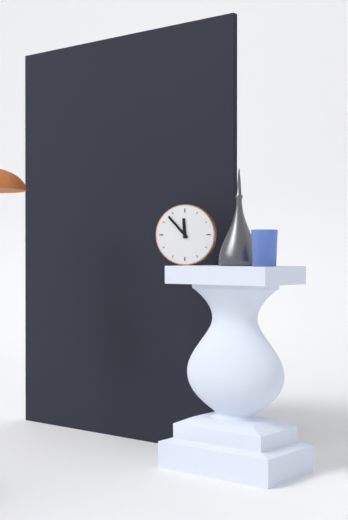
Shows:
11,53
